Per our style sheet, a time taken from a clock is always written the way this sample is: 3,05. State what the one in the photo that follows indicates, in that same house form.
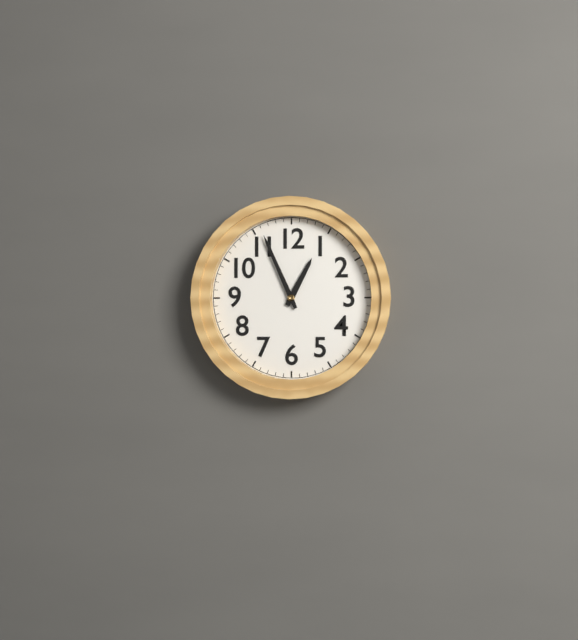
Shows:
12,56
